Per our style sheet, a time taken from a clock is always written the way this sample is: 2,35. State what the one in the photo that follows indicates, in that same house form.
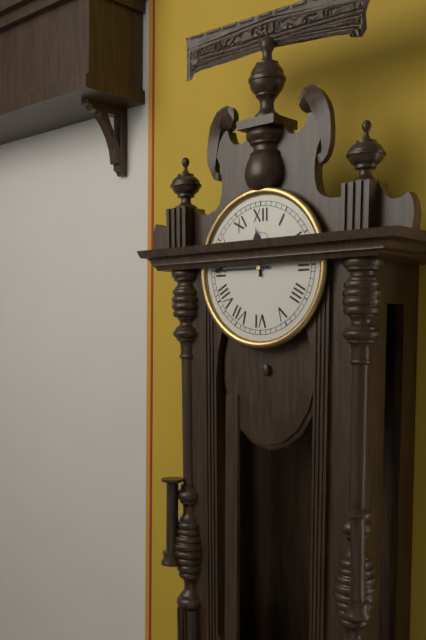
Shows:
11,45
